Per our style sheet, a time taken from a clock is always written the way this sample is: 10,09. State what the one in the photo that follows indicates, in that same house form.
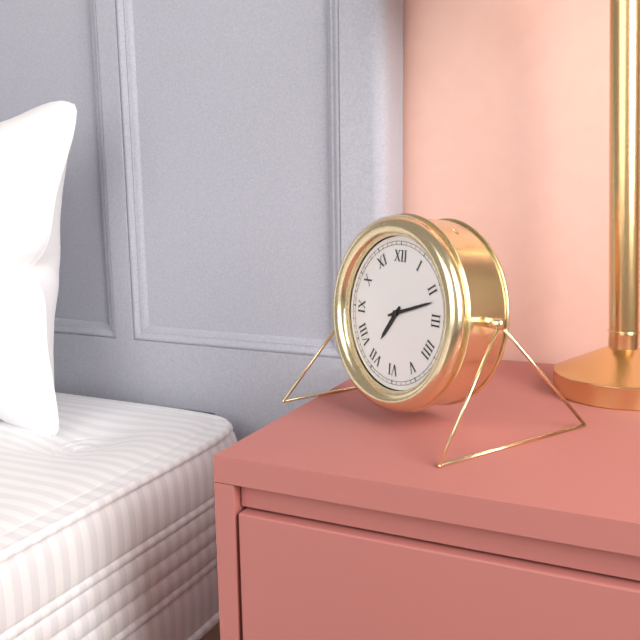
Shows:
7,12
